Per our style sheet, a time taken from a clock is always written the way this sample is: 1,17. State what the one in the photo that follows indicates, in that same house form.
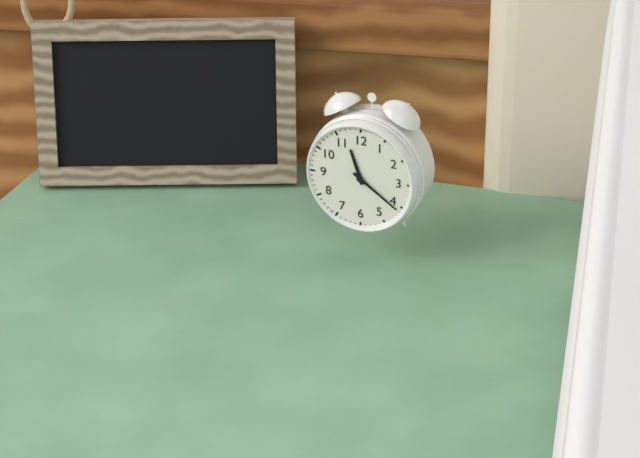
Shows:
11,21
